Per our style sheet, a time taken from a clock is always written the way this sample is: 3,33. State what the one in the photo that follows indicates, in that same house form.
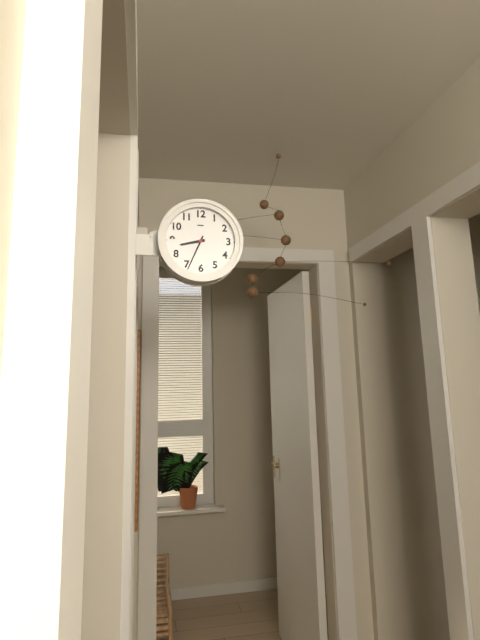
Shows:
8,34
